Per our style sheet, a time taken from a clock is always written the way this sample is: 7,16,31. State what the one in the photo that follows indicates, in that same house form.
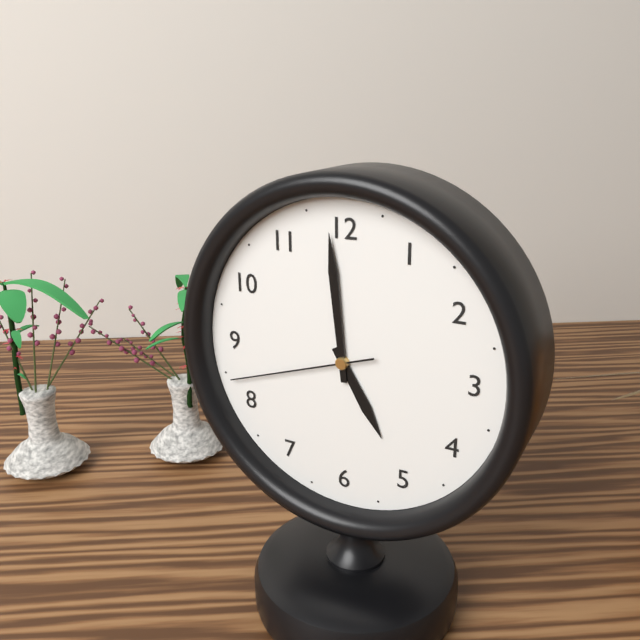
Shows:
4,59,42
